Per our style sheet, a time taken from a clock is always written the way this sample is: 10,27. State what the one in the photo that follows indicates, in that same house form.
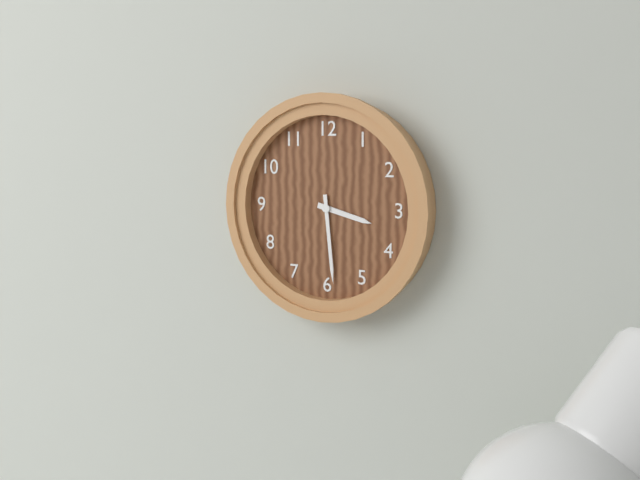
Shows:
3,29
